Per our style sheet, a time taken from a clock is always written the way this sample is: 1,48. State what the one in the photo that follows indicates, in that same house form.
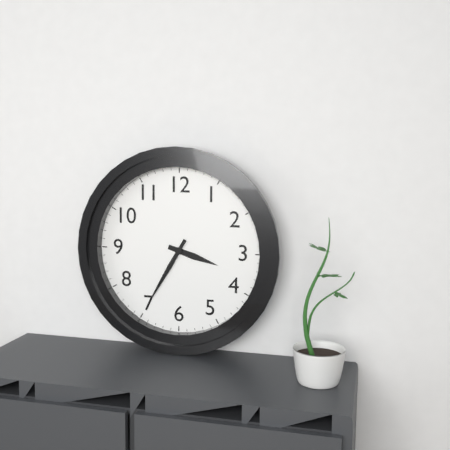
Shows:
3,35
